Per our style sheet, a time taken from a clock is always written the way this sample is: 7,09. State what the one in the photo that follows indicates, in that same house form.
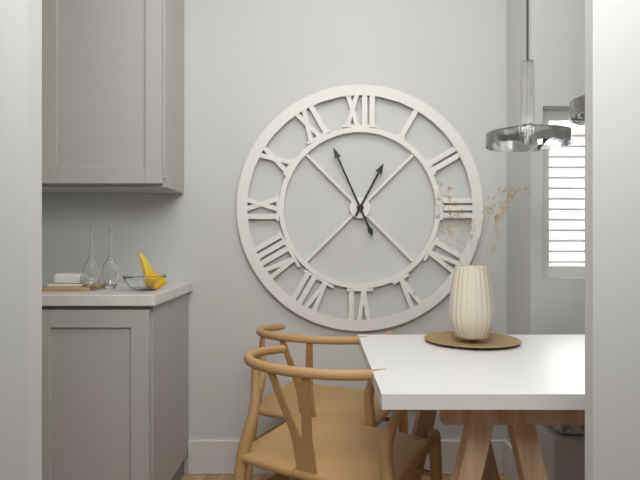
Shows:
12,56
